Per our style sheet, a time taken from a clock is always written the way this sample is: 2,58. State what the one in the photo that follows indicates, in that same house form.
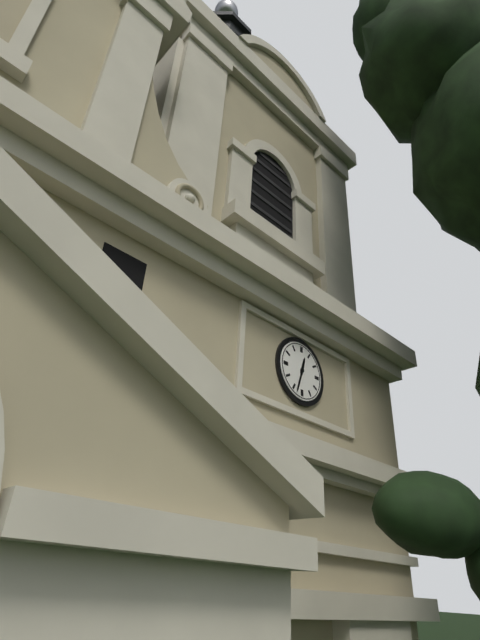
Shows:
12,33
